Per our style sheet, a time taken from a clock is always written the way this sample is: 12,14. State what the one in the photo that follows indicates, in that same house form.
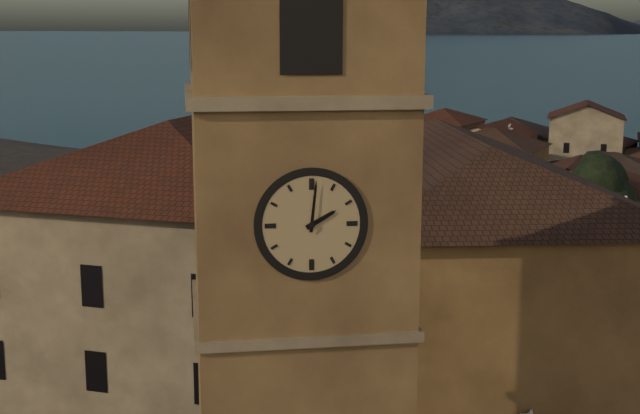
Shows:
2,01
